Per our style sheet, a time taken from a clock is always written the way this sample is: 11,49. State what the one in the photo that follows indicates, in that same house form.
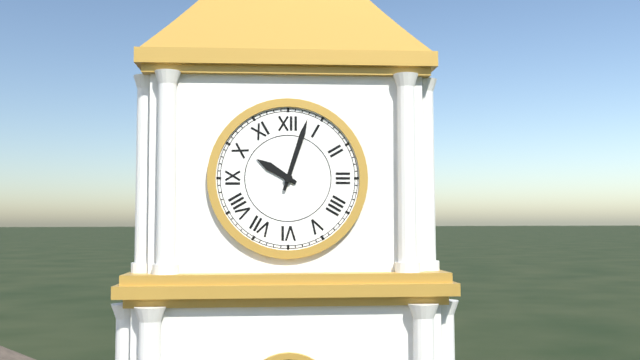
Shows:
10,03
